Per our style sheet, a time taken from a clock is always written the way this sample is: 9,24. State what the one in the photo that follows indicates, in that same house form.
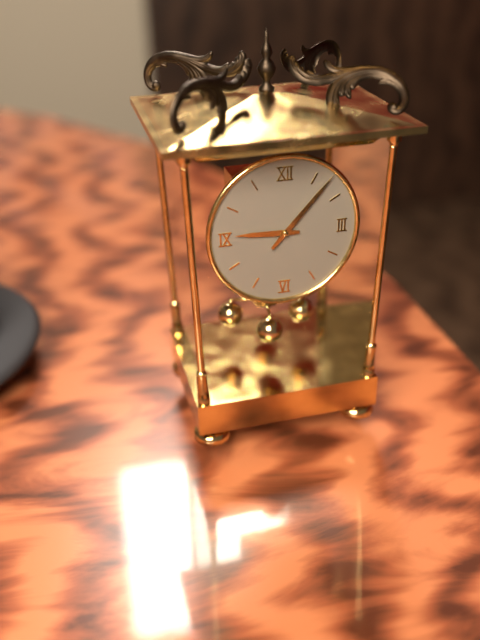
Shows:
9,07
